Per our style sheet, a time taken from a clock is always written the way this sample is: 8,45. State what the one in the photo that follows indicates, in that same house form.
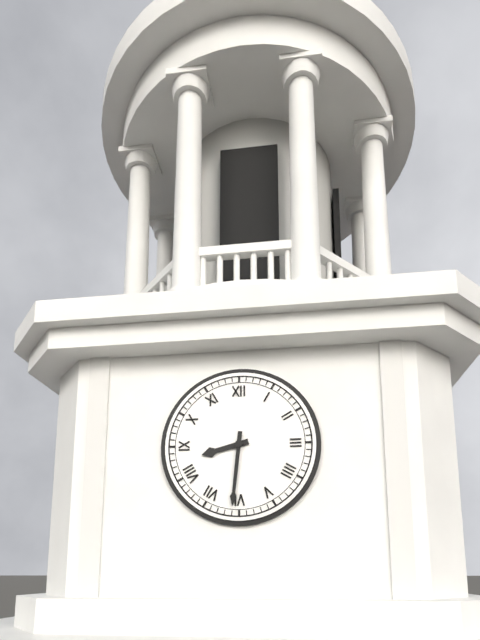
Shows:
8,31
